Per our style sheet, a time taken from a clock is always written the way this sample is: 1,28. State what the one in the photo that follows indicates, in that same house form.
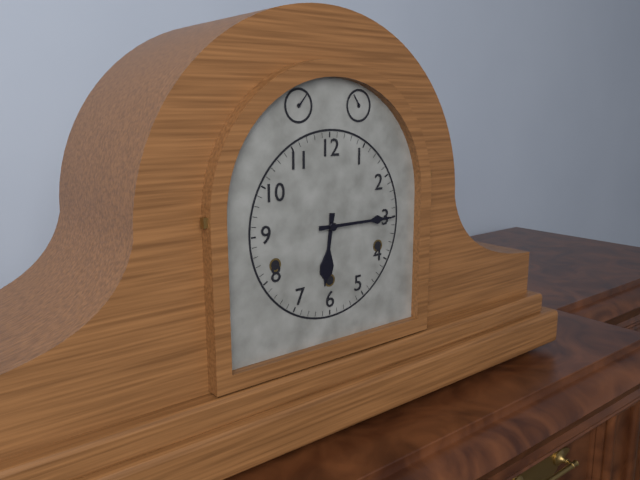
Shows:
6,15
